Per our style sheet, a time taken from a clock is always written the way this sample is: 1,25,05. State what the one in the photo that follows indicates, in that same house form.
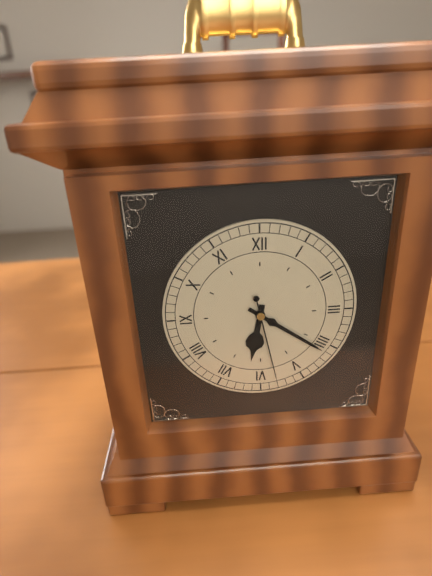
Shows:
6,21,28
